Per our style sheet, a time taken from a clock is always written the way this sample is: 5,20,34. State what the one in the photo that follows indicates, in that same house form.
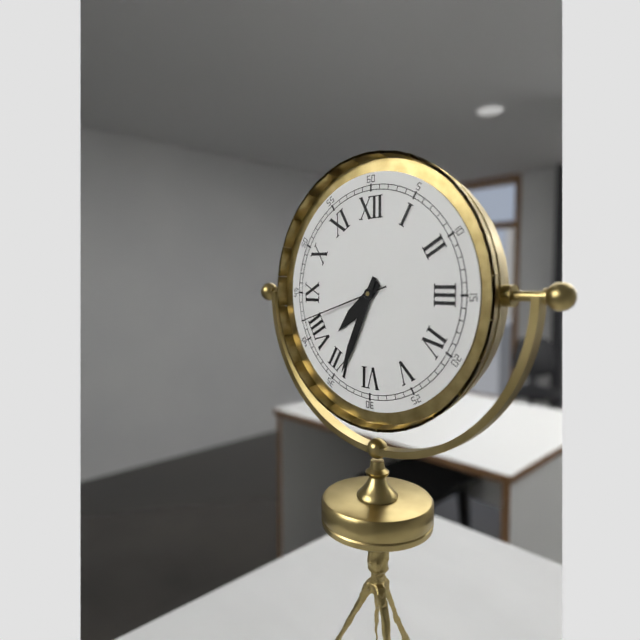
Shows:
7,34,42
